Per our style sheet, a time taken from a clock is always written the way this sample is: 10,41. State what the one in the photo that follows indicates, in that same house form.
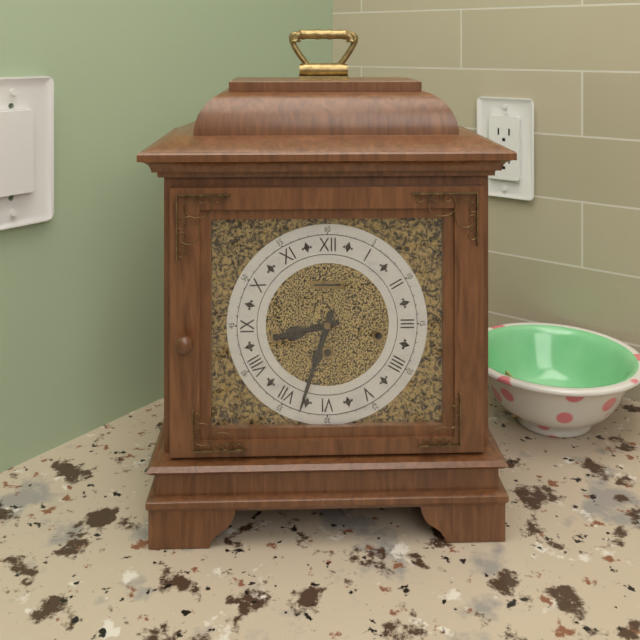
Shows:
8,33
